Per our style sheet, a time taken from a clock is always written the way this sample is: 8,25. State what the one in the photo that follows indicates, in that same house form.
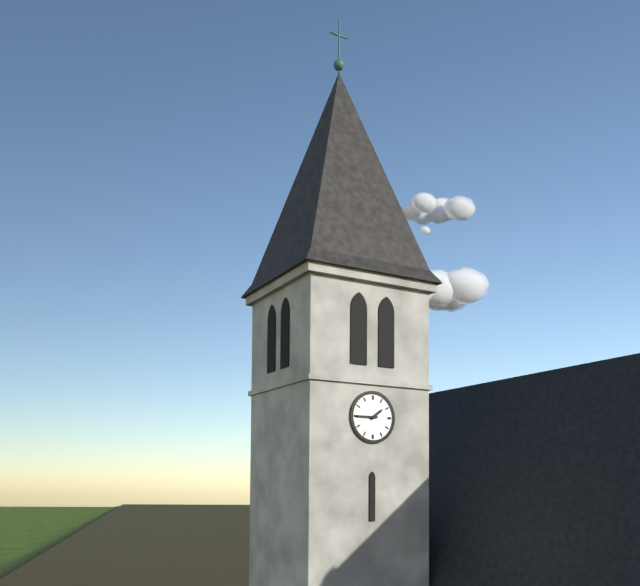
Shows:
1,45
